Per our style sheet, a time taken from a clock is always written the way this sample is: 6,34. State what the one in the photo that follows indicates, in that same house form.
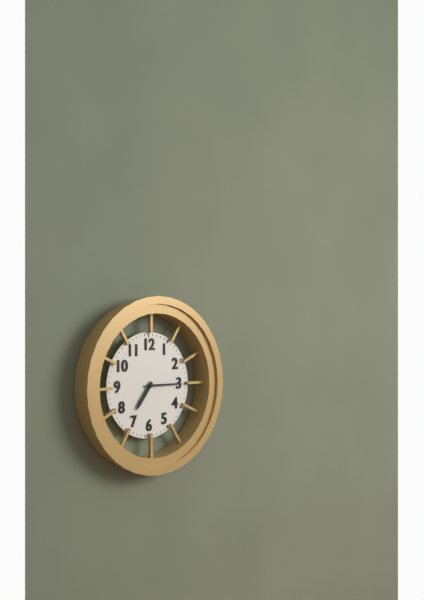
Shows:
7,15
